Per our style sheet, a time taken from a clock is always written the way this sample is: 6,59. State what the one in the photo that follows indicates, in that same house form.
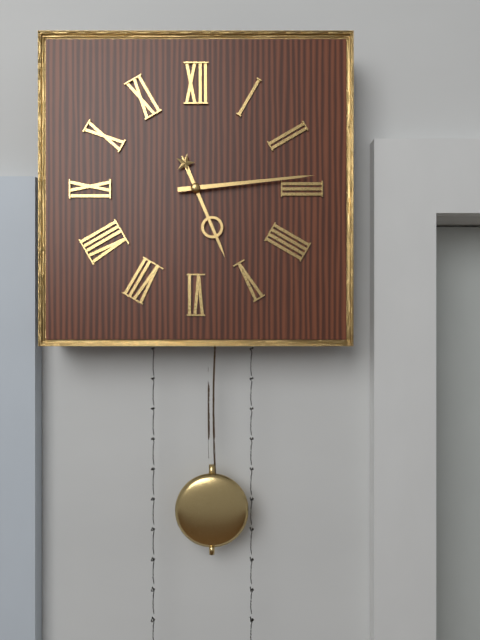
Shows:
5,14
